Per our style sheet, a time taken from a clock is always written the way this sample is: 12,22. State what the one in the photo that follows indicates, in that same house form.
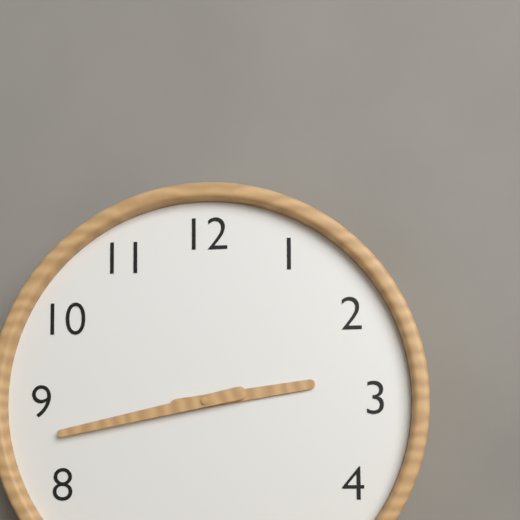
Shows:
2,43
